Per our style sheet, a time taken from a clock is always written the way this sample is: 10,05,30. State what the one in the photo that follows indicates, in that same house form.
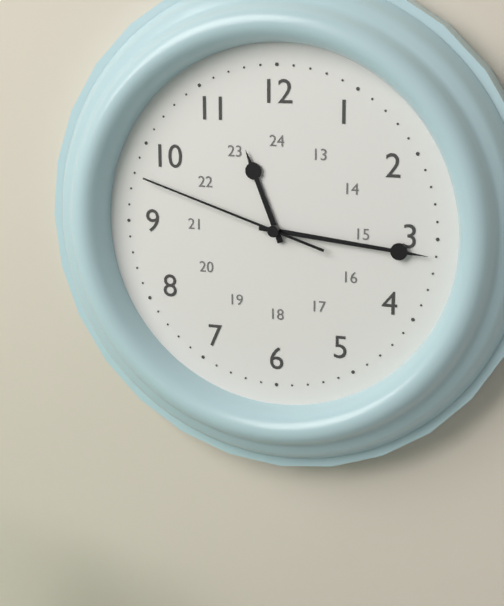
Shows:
11,16,48
